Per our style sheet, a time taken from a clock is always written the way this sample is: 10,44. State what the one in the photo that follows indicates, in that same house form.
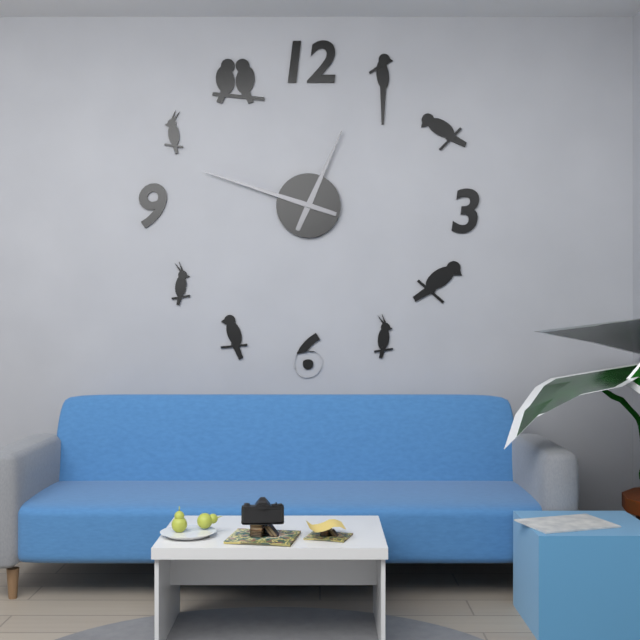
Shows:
12,48
